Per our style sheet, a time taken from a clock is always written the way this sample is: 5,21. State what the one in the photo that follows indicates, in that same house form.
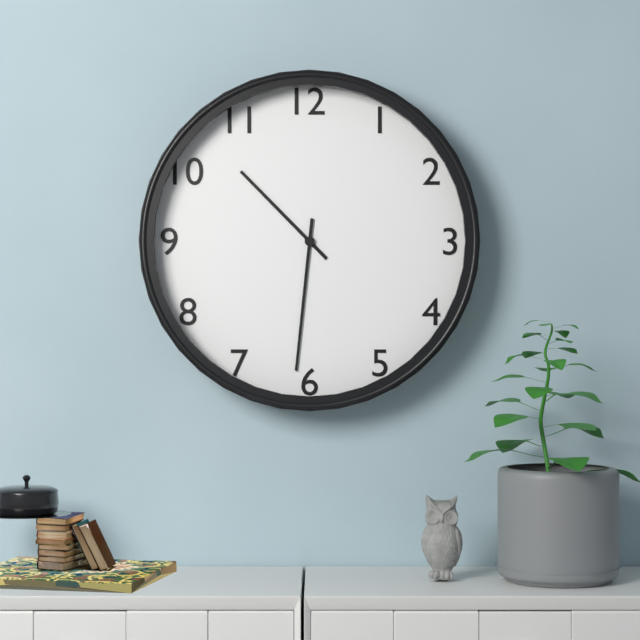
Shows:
10,31
